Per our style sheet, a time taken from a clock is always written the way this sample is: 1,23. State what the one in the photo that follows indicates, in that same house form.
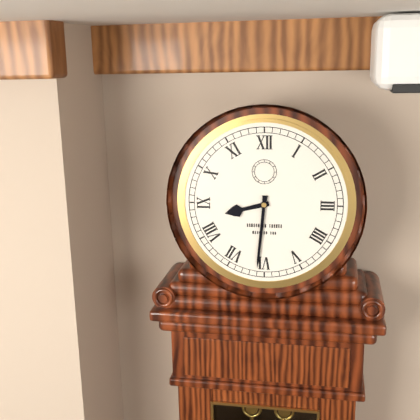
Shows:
8,31
